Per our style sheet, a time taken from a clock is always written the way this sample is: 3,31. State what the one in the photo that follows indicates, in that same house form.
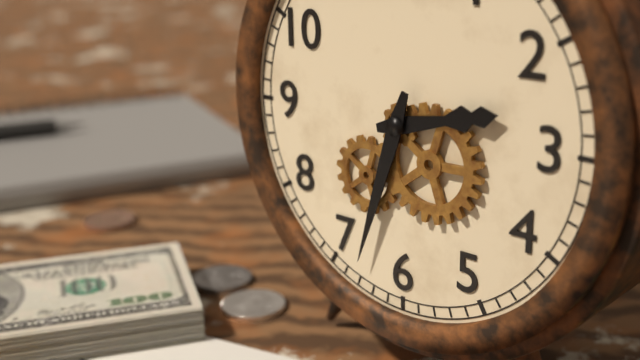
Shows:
2,33
